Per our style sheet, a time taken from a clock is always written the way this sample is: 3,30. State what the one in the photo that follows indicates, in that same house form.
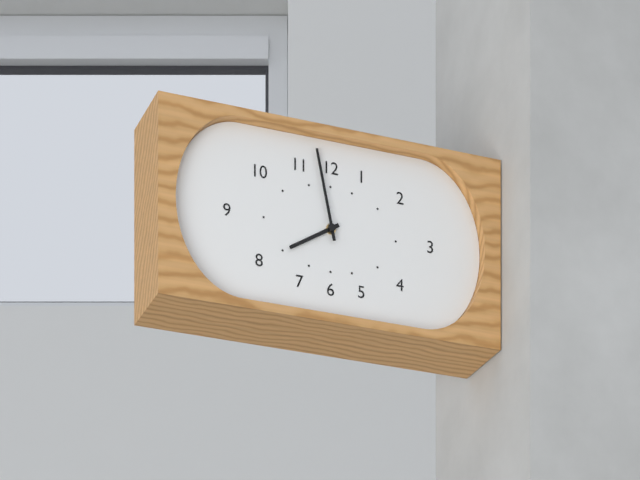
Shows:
7,58
